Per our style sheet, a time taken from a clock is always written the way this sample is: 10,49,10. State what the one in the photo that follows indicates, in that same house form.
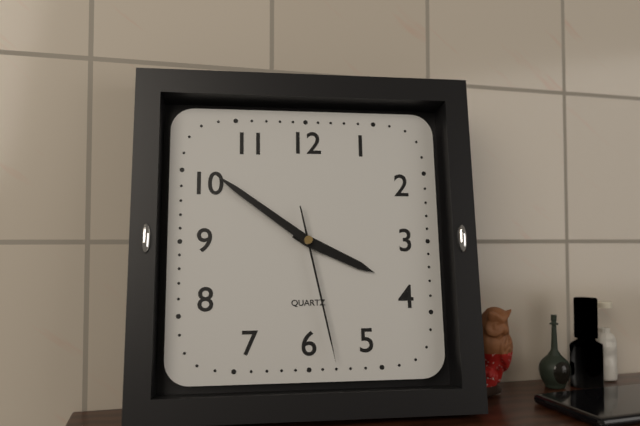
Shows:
3,51,28
